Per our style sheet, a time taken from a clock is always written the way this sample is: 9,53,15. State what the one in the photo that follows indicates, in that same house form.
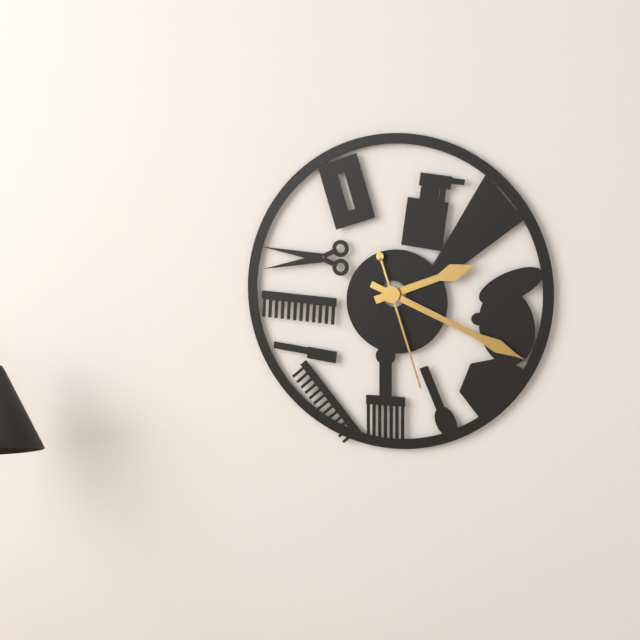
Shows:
2,19,27
